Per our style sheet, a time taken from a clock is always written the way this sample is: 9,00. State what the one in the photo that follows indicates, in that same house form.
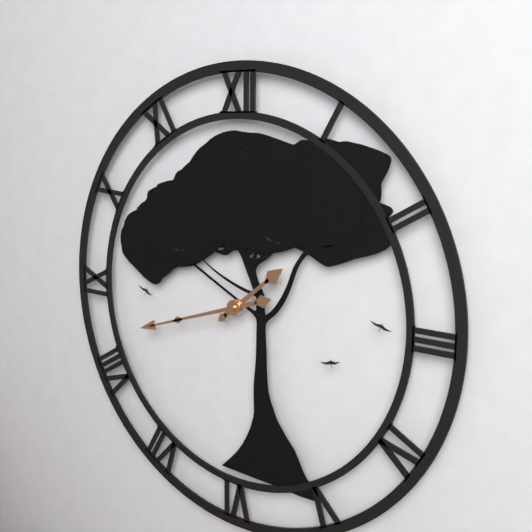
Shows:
1,42
